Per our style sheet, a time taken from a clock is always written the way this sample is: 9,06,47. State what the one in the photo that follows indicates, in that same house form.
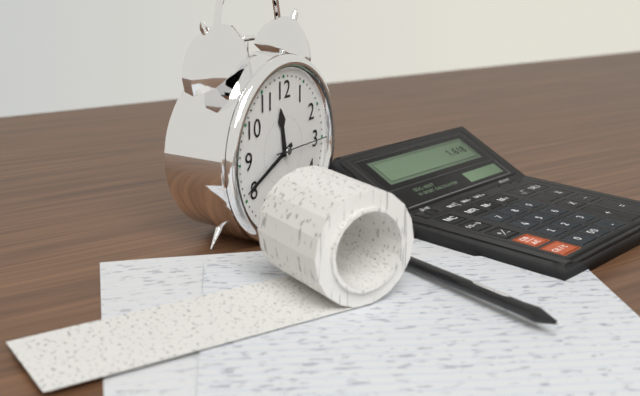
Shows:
11,41,15
